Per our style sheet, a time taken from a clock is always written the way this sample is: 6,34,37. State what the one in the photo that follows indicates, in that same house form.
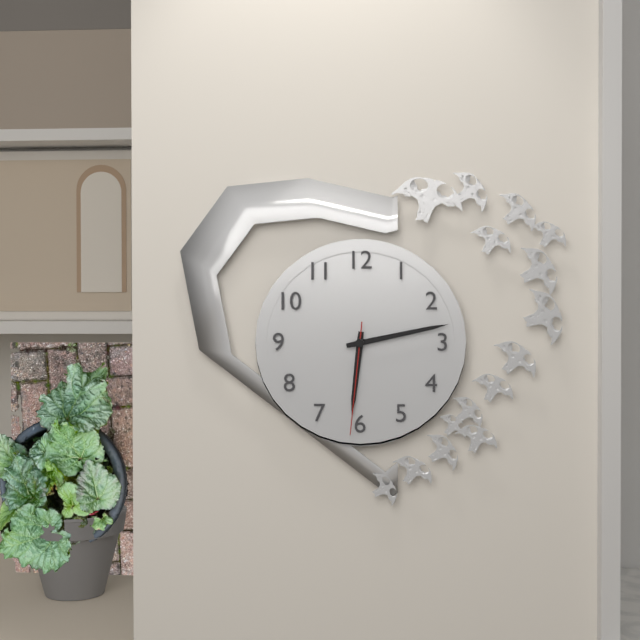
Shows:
6,13,31
